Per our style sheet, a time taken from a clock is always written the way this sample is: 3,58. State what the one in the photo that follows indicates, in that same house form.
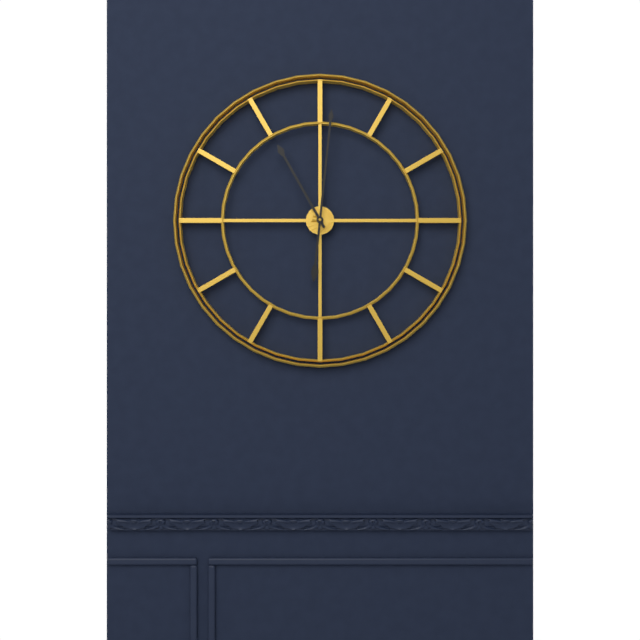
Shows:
11,01
